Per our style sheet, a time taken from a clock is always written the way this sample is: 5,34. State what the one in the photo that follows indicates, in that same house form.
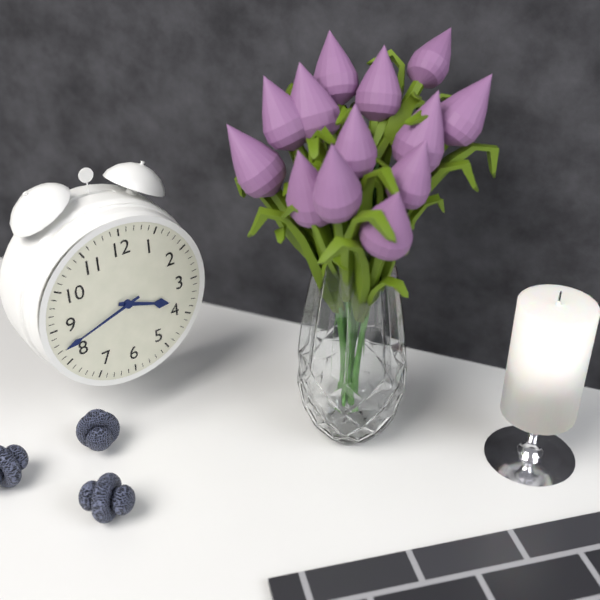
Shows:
3,42
